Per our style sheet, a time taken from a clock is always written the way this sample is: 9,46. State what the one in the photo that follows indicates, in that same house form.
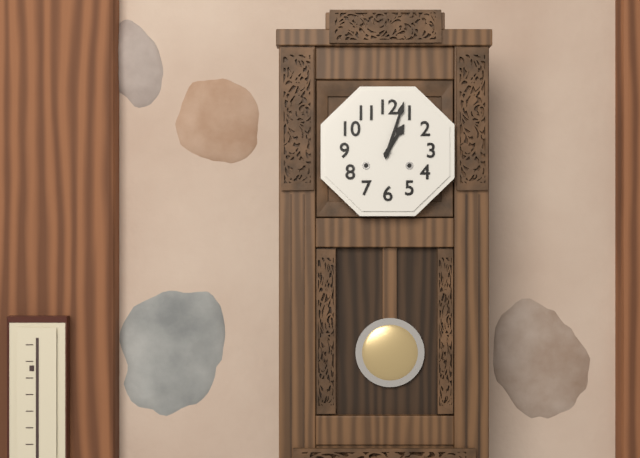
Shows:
1,03
